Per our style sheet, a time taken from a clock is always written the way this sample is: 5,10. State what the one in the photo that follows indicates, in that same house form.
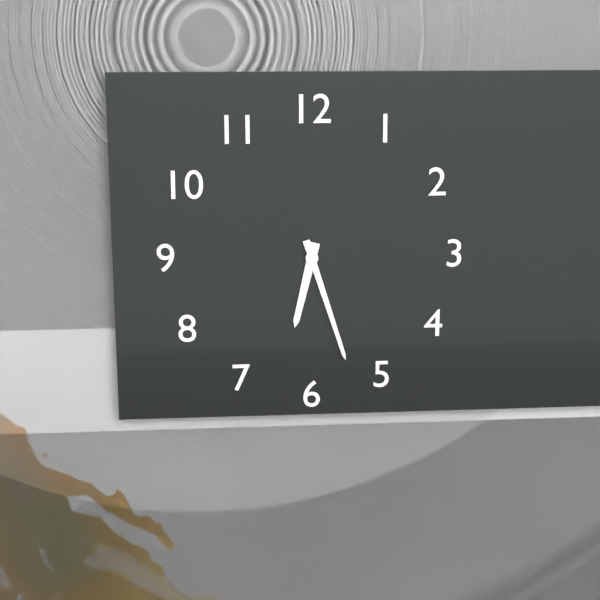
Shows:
6,27
